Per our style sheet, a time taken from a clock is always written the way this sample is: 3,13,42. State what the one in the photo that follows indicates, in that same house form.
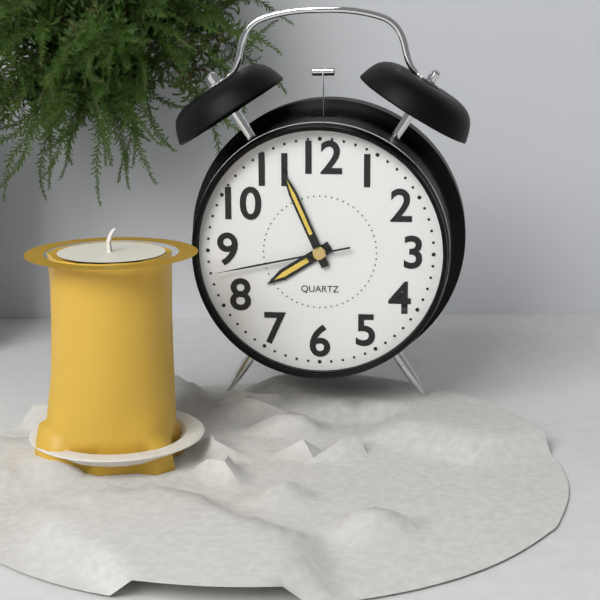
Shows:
7,56,43
